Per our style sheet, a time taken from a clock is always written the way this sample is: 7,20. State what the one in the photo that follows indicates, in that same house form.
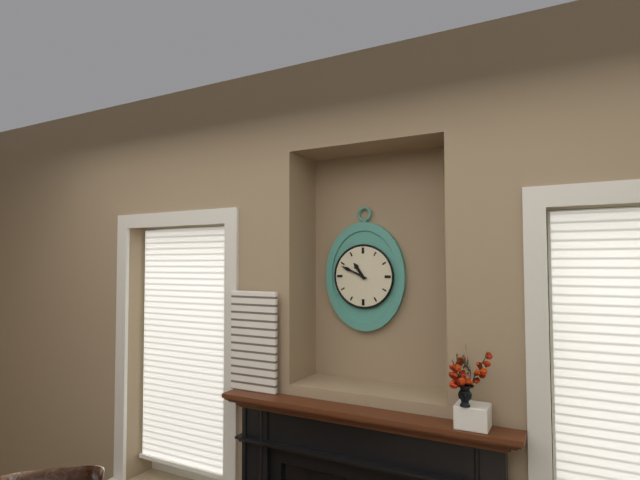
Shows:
10,49
